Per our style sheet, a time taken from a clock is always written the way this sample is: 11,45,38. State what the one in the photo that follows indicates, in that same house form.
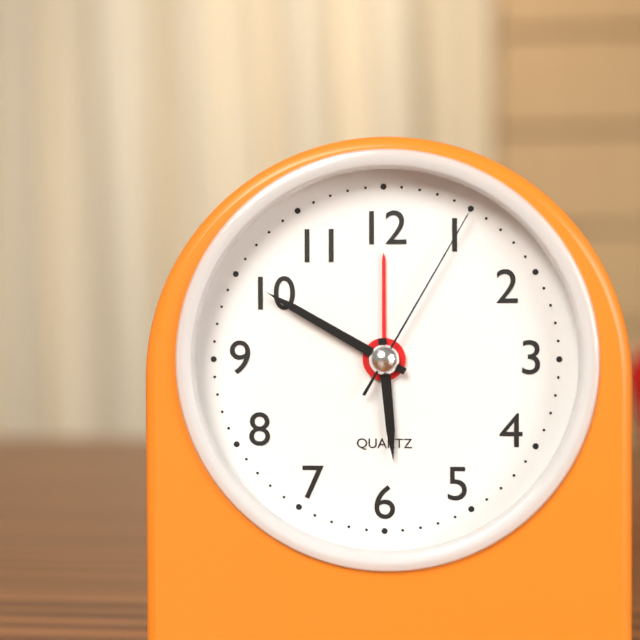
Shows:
5,50,05
